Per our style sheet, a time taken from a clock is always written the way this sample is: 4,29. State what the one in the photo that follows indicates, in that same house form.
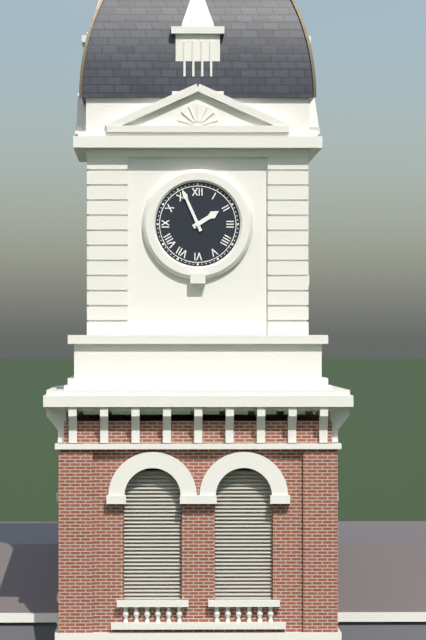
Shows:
1,56
